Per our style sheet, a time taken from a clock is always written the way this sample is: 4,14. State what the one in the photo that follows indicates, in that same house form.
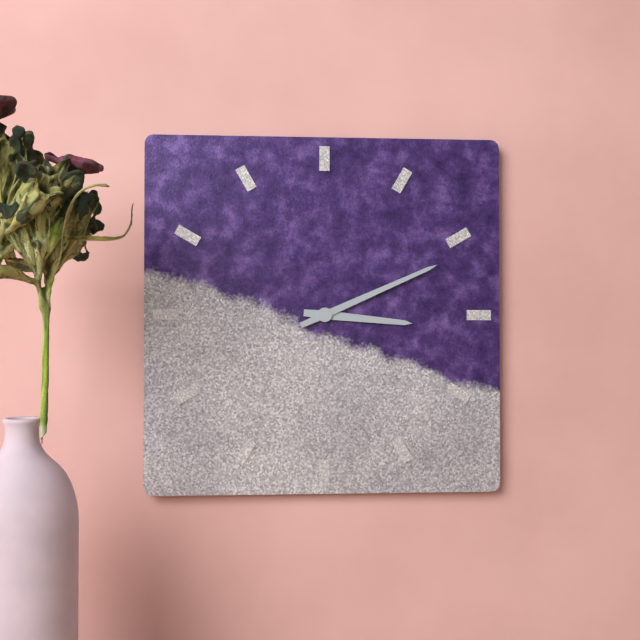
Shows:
3,11
